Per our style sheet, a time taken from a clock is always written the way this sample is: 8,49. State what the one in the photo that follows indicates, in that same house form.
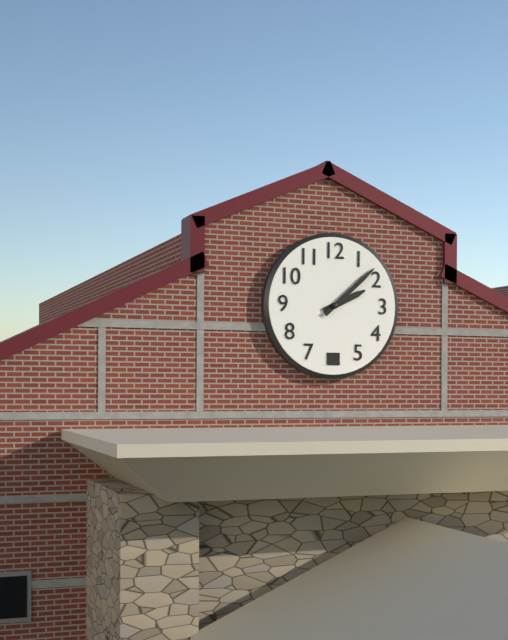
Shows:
2,08
